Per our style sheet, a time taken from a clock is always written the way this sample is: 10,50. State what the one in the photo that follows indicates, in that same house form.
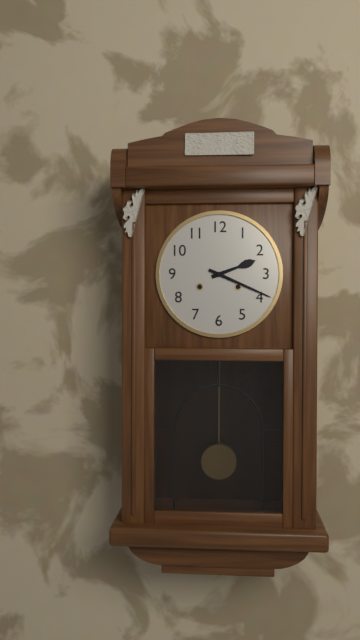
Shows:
2,19
